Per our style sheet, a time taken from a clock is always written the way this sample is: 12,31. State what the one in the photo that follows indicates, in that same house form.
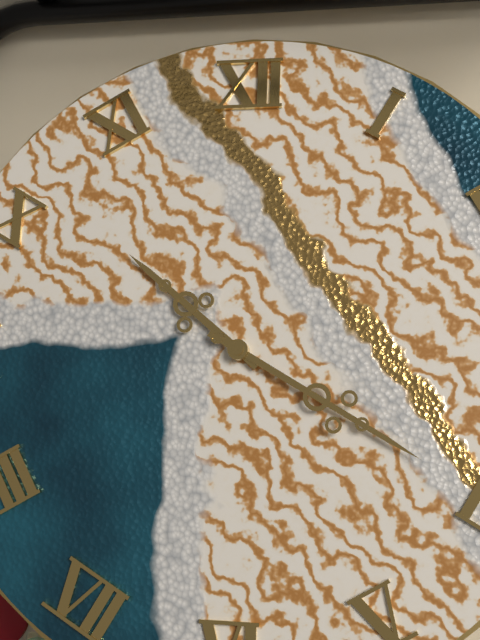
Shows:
10,20
